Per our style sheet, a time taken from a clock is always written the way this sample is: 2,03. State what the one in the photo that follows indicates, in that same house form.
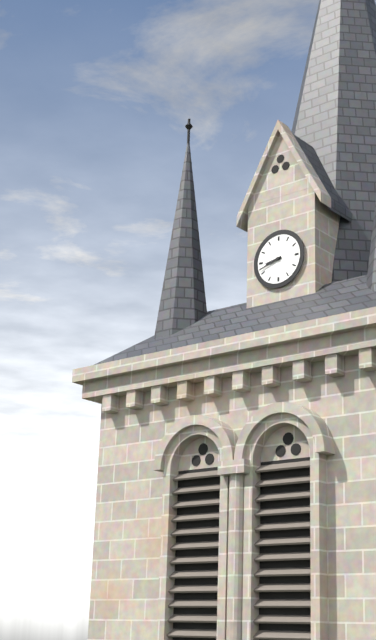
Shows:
8,42
